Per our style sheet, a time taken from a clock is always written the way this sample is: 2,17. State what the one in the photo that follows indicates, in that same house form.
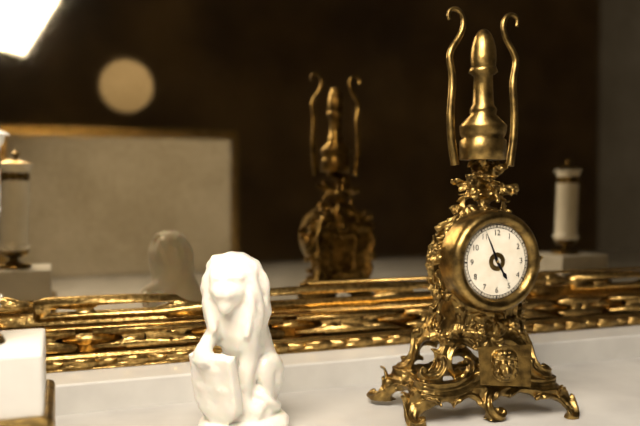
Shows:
4,56
